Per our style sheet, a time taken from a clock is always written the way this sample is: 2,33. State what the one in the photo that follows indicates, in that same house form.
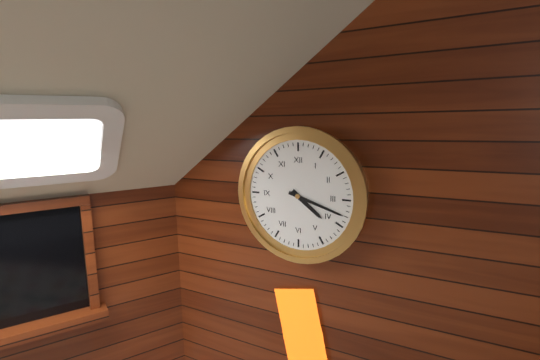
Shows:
4,18
